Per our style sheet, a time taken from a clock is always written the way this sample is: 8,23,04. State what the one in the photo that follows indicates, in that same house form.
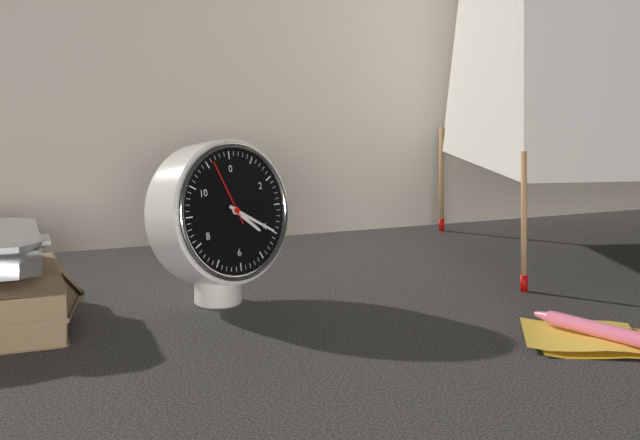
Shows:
4,20,56
